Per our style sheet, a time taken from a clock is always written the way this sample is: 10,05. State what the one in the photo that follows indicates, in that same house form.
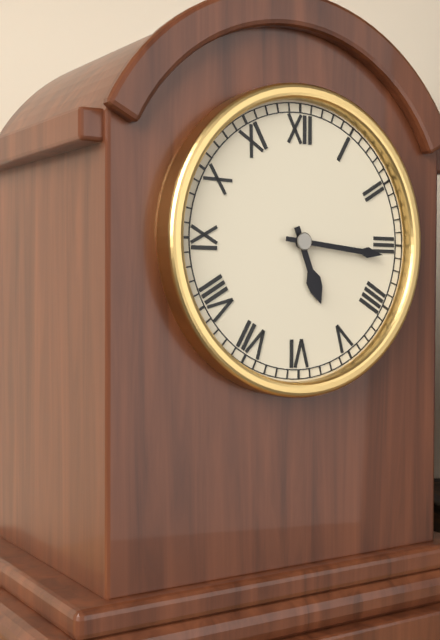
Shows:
5,16
